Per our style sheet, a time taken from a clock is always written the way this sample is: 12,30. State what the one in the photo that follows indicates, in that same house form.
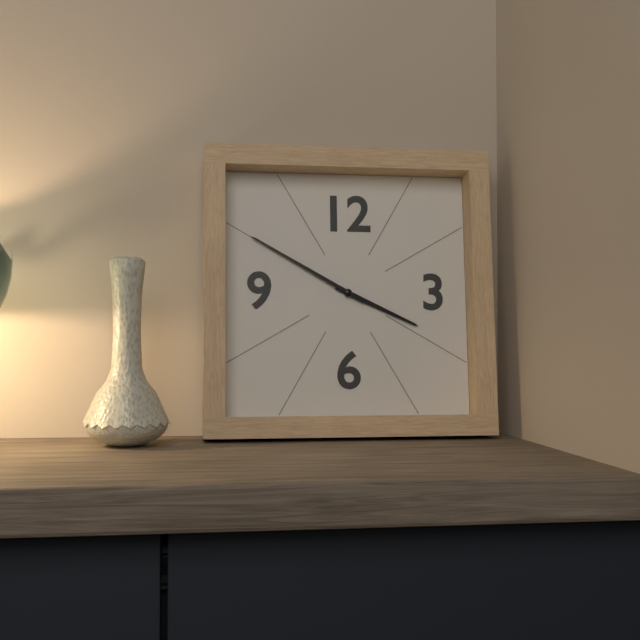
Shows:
3,50
